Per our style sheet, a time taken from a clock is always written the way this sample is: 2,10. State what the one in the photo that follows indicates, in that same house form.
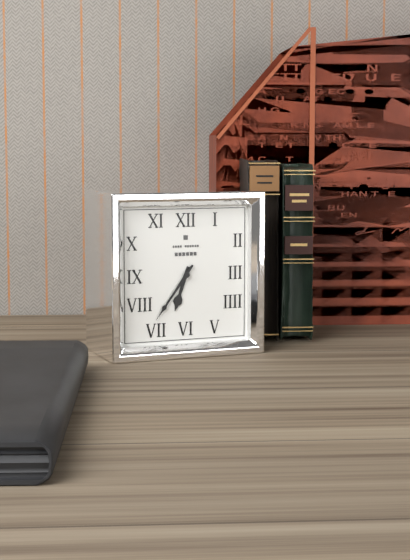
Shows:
6,36
